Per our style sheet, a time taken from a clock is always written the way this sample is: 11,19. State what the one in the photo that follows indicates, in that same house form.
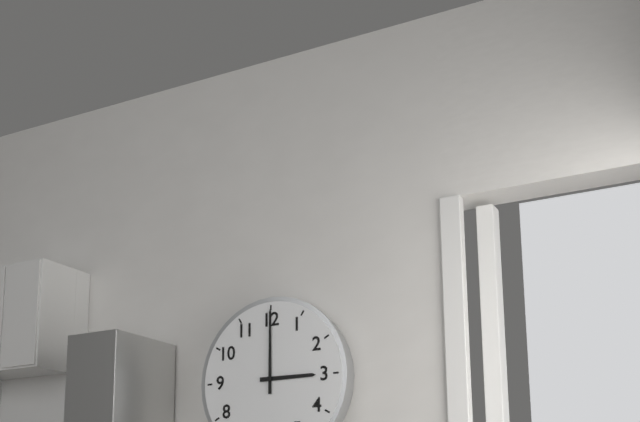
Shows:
3,00
